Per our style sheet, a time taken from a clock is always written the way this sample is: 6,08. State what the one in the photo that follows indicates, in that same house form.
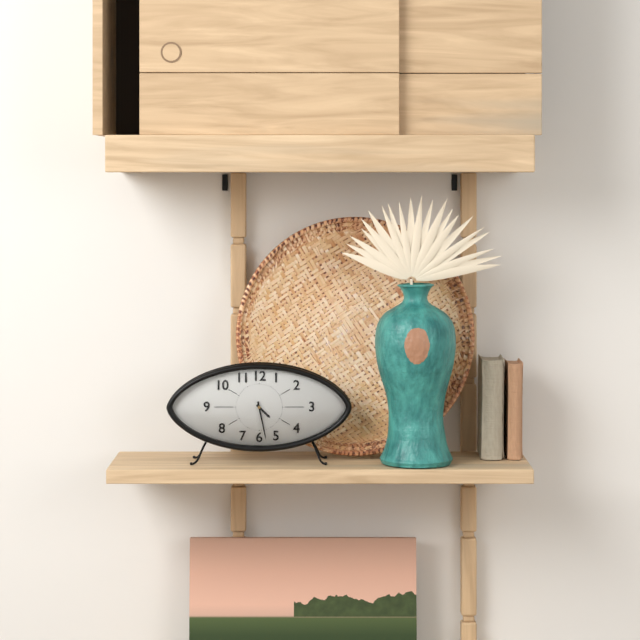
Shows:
4,28
